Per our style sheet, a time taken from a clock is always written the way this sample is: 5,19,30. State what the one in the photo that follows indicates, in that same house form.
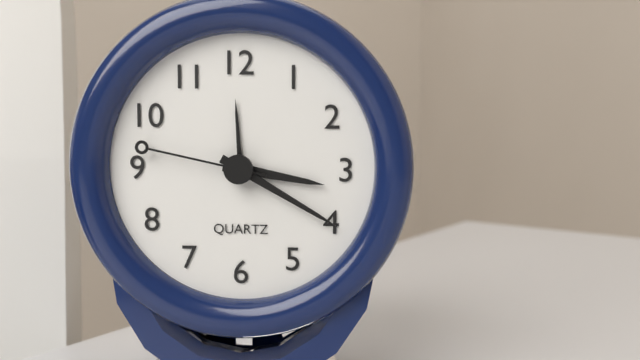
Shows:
3,20,47
